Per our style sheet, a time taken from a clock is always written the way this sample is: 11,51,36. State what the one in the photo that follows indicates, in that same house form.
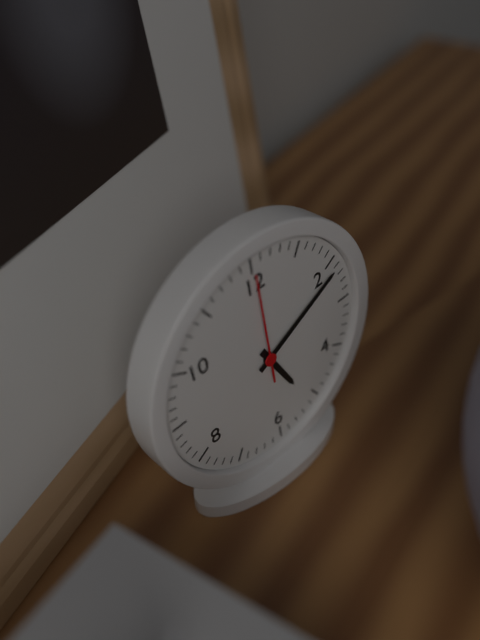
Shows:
5,11,00
